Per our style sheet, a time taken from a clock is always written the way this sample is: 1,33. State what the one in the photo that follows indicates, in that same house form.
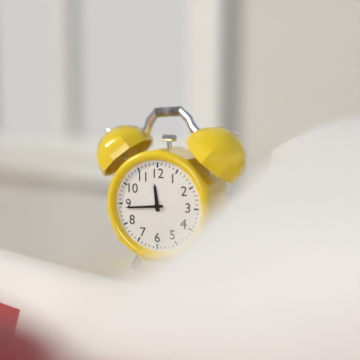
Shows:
11,44
